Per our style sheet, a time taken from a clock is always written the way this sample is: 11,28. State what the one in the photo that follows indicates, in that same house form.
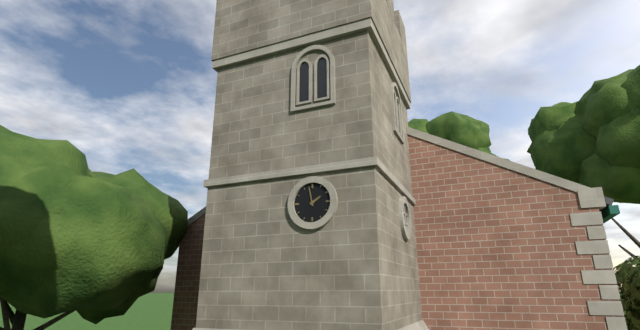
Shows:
1,58
